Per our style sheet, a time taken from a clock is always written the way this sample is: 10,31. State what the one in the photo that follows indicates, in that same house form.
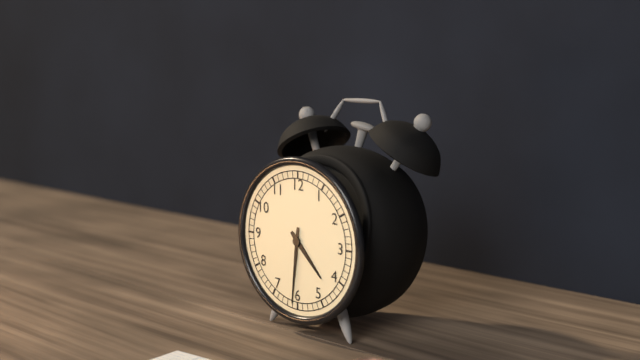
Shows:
4,31
